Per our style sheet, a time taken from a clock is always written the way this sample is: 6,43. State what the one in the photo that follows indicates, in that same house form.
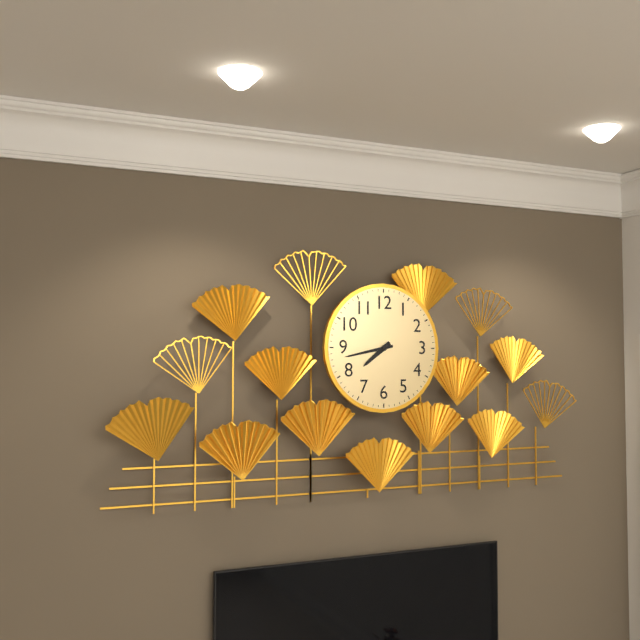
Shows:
7,43
